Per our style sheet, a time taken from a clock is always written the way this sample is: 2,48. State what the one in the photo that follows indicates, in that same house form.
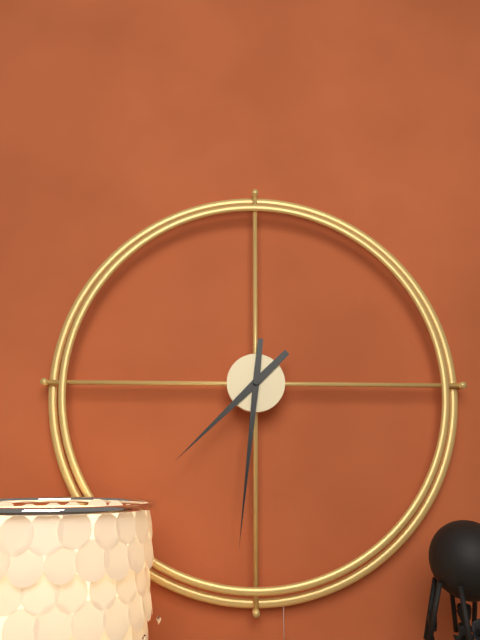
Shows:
7,31
